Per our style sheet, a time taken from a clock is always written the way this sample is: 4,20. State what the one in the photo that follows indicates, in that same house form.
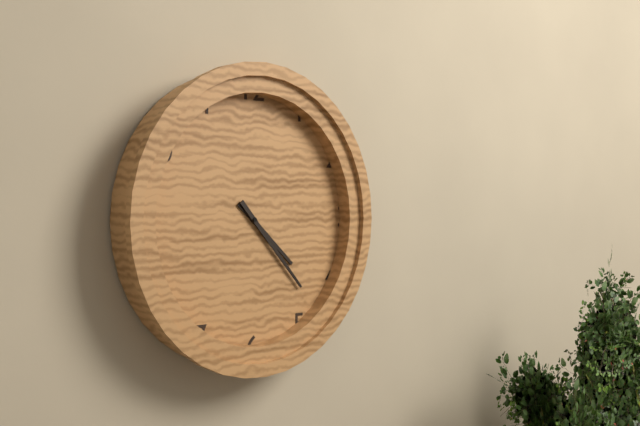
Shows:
4,23
